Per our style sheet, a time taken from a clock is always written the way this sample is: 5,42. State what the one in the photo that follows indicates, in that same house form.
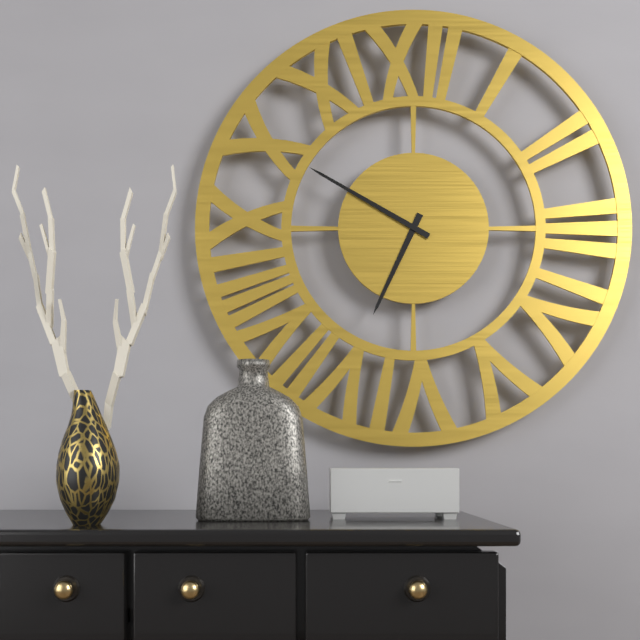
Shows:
6,50
